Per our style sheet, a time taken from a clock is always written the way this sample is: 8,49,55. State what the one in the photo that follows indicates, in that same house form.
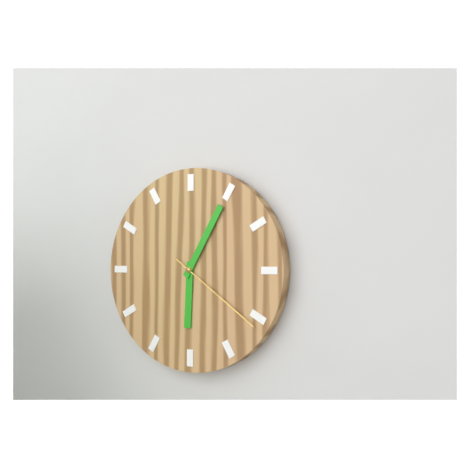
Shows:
6,05,21
